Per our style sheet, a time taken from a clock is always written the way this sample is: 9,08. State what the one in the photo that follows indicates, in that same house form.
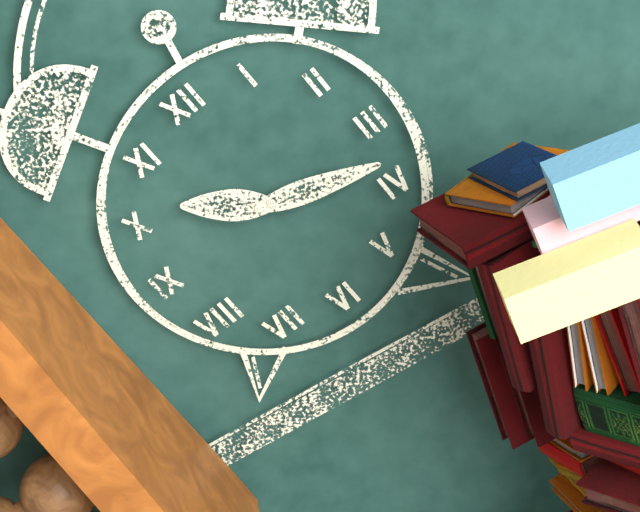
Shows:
10,18
